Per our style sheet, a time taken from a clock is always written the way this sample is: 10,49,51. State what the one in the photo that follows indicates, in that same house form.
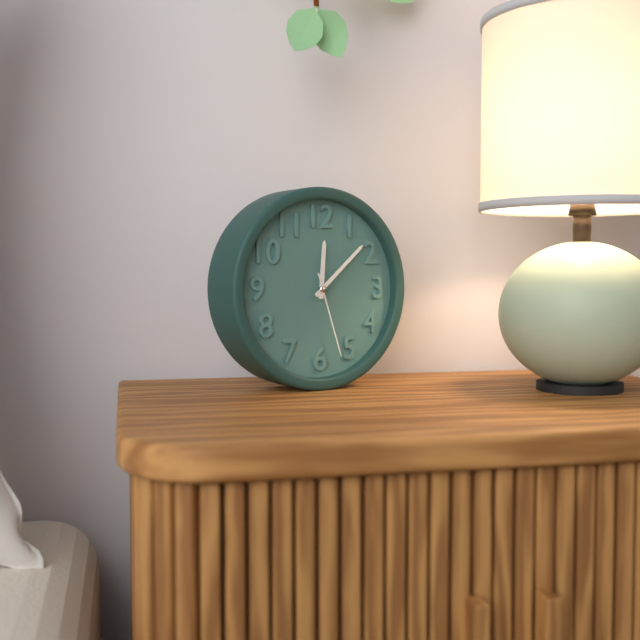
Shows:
12,08,27
